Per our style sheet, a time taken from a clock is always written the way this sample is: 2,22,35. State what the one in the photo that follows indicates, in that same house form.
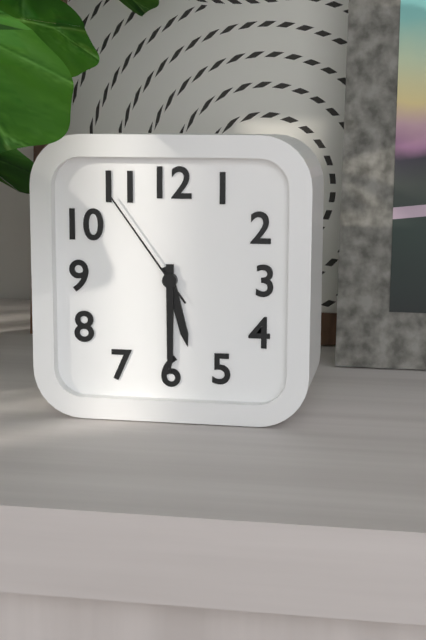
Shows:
5,30,54
